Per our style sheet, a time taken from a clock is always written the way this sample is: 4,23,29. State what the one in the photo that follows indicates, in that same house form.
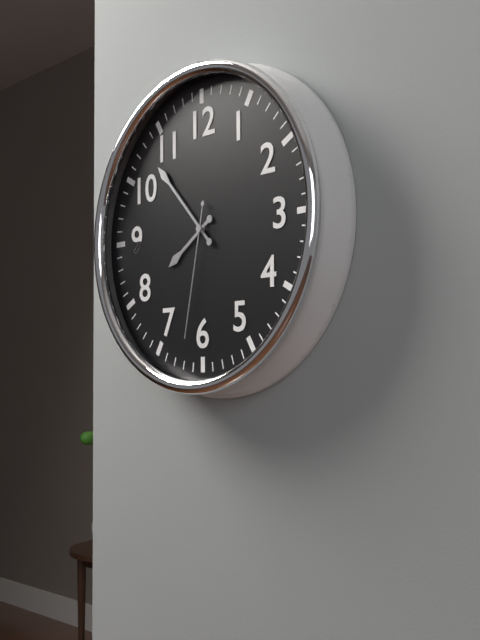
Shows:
7,53,32
